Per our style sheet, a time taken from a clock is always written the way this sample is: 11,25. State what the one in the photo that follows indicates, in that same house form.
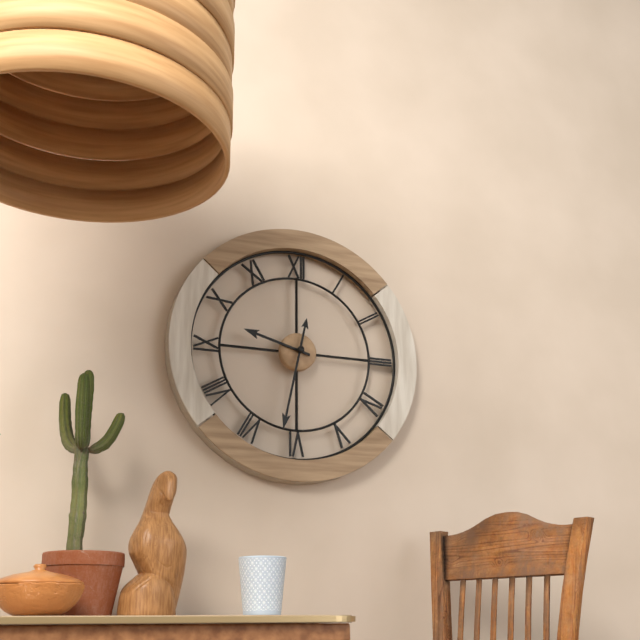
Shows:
9,32
